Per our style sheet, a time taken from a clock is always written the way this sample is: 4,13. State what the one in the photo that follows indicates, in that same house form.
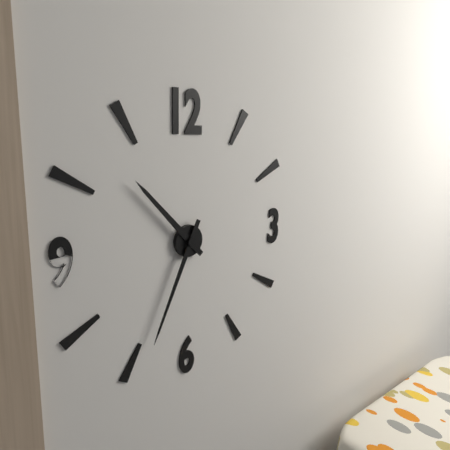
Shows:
10,34
